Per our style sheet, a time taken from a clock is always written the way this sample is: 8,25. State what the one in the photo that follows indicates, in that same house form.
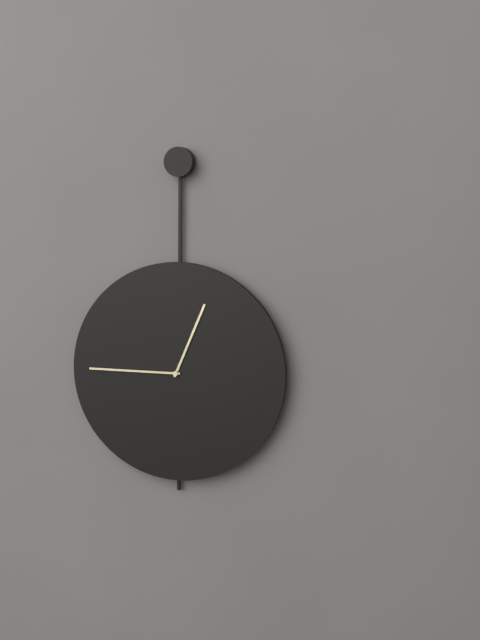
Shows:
12,45
